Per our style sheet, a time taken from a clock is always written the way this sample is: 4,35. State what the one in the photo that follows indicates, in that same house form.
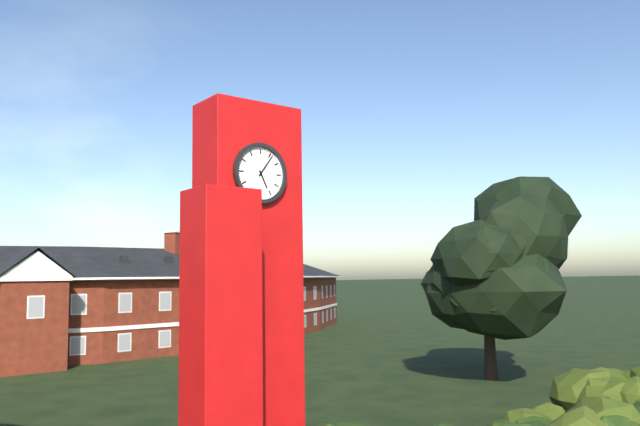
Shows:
5,06
